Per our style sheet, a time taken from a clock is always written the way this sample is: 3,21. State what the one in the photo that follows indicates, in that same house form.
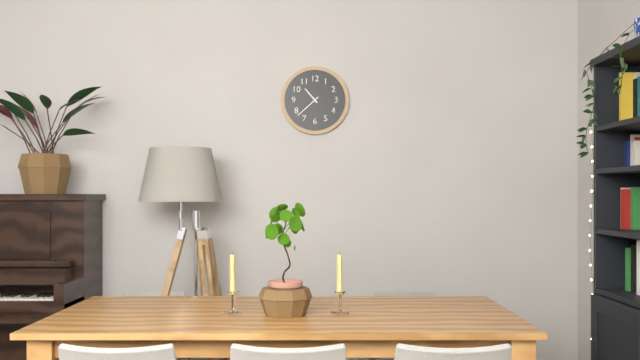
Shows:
10,38
